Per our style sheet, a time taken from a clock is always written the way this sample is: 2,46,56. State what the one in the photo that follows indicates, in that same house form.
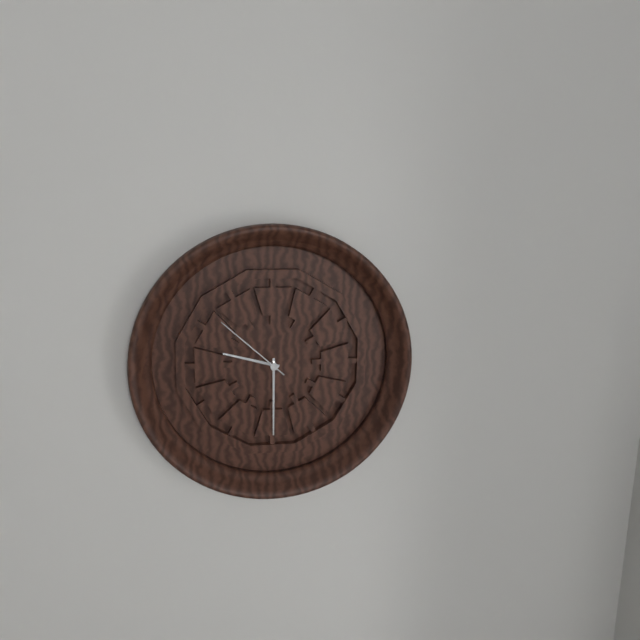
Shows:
9,30,52
